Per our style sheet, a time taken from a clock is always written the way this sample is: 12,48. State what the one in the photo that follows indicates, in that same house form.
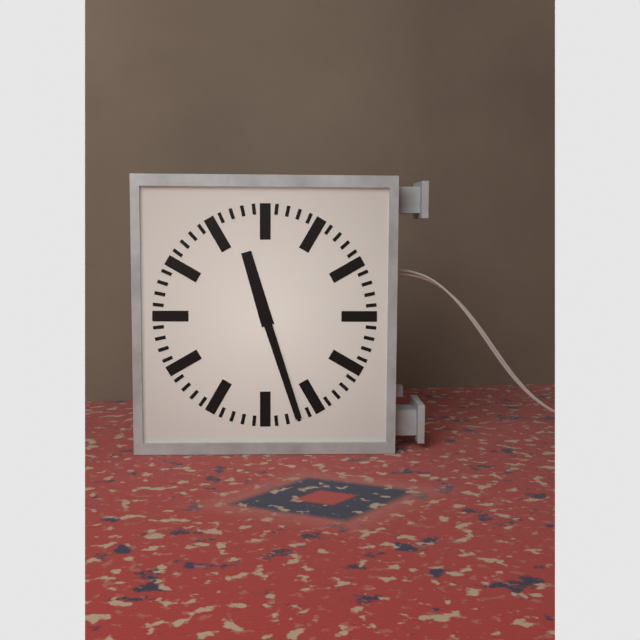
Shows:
11,27
